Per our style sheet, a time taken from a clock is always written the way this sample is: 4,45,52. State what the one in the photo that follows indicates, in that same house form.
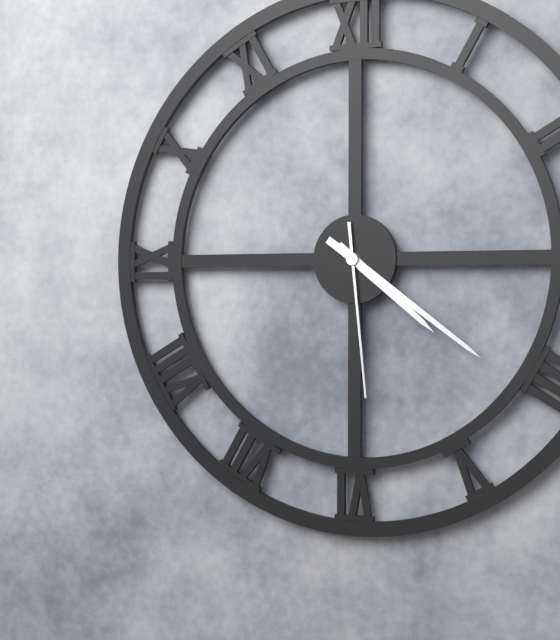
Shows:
4,21,29
